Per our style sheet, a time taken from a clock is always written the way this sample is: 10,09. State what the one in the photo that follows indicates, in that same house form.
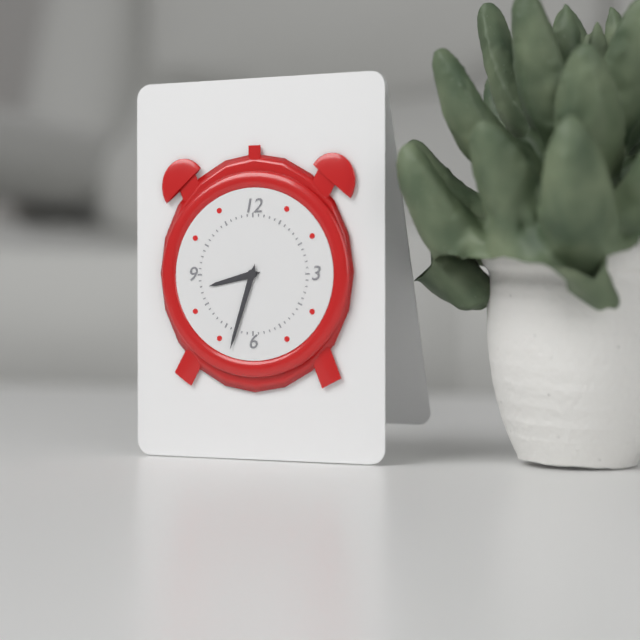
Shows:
8,33
